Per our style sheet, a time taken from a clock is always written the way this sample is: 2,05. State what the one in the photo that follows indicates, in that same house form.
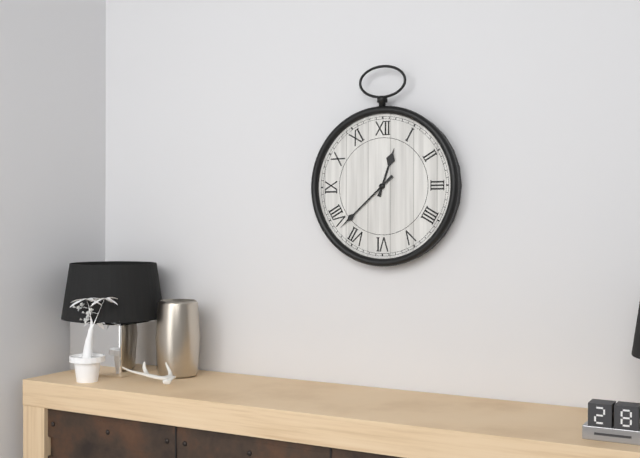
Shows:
12,38
